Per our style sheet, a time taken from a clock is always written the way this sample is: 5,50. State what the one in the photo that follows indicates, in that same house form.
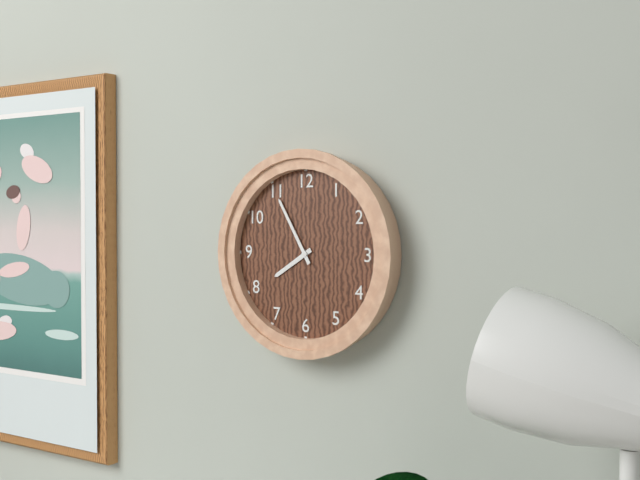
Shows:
7,55
